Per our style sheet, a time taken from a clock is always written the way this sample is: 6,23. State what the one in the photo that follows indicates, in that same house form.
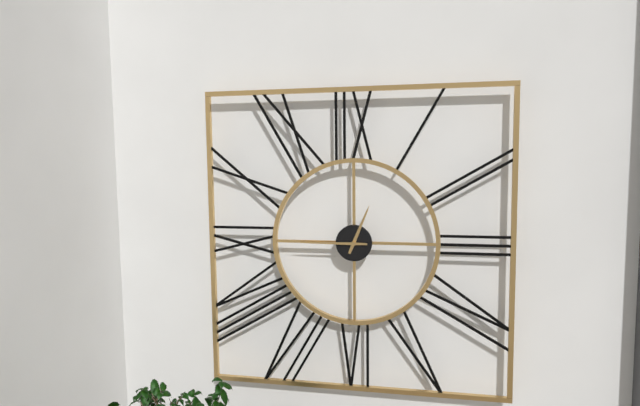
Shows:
12,45
